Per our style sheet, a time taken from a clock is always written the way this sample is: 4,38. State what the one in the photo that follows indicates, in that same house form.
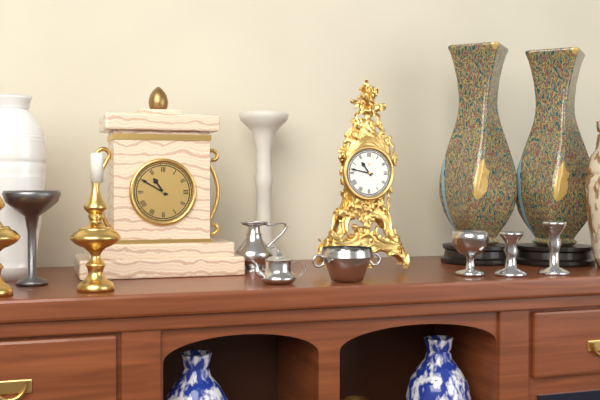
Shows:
10,47
